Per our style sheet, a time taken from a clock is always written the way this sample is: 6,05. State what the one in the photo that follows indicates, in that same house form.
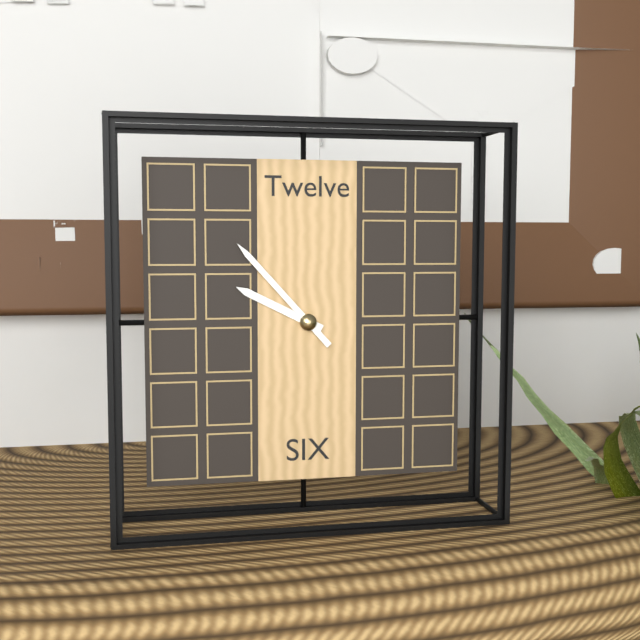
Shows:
9,53
